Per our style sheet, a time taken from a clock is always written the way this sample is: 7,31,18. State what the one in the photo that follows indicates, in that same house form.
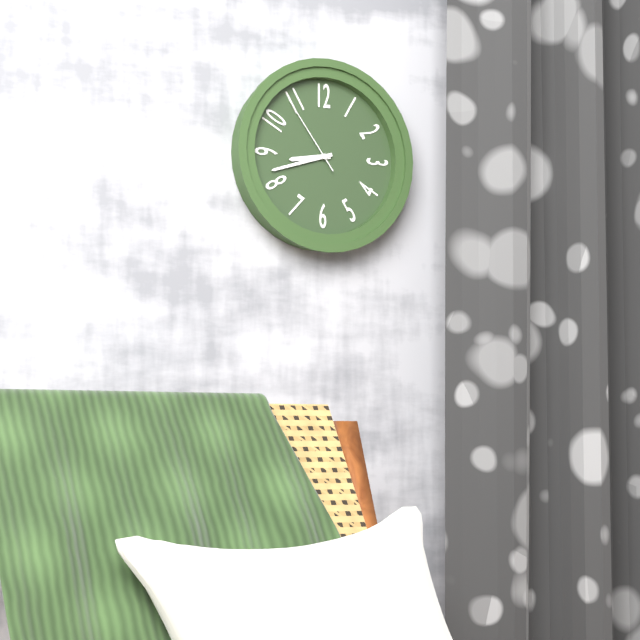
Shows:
8,42,54
